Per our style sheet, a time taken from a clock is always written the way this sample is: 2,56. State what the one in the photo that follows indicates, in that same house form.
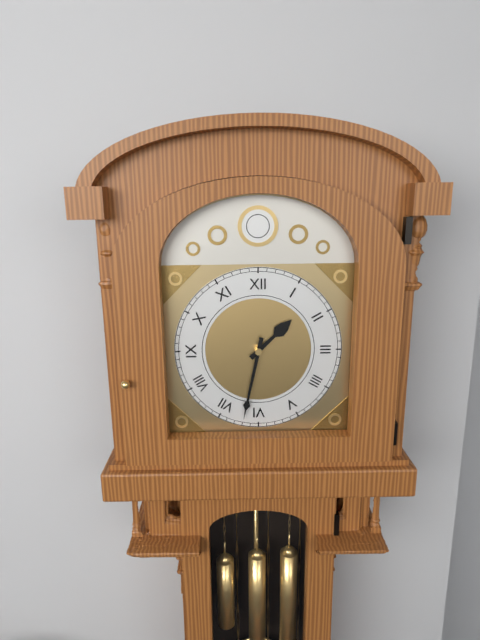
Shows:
1,32
